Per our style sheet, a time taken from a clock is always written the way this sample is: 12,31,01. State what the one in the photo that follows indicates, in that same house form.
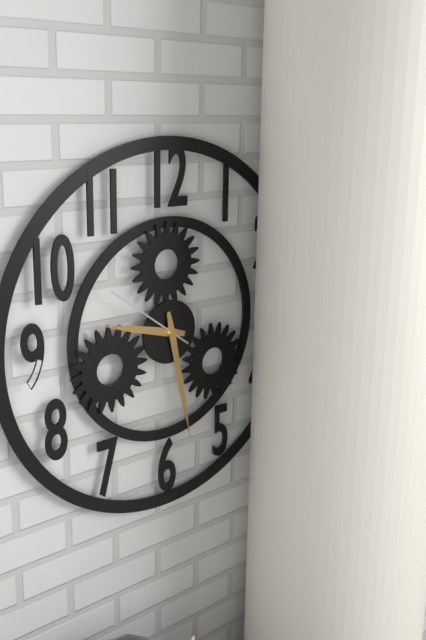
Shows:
9,28,51
